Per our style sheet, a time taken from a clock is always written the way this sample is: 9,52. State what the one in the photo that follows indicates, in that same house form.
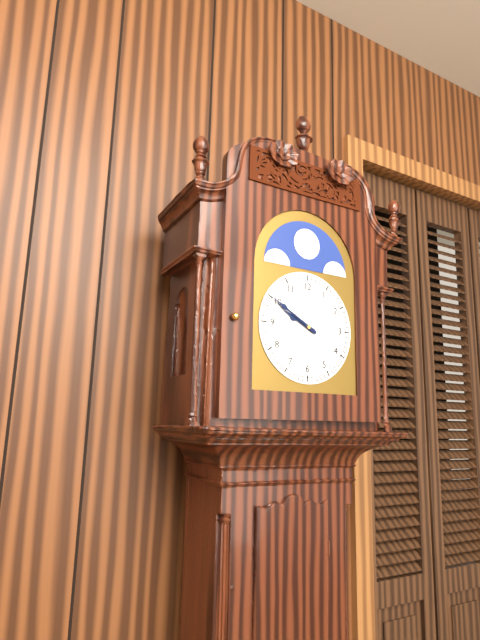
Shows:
9,50
